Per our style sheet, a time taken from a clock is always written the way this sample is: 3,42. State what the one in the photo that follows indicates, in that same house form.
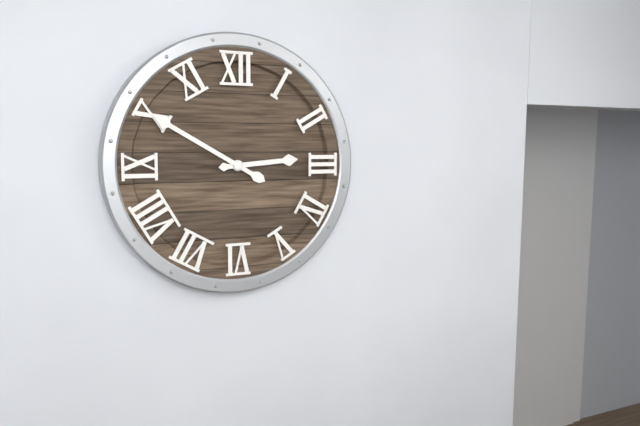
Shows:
2,50
